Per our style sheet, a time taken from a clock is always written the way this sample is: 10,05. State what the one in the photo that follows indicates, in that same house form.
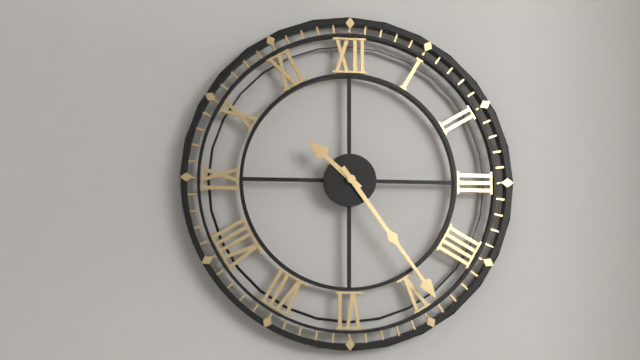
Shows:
10,24
